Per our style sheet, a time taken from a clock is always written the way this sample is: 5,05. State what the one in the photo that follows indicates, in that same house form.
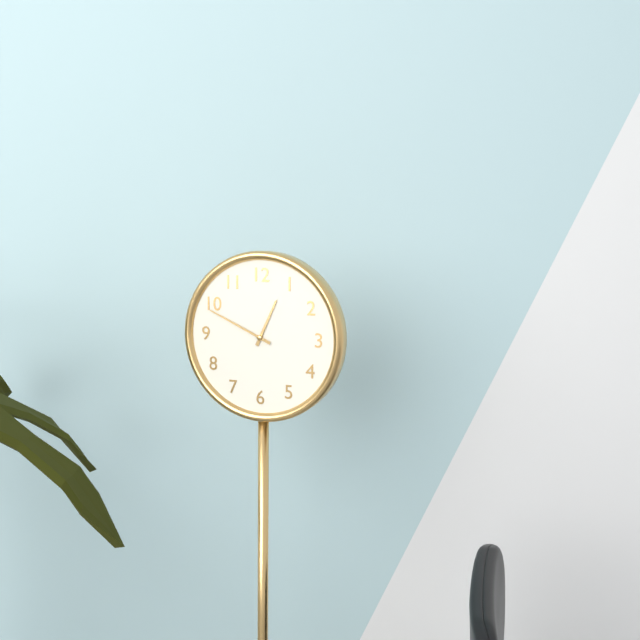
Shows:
12,49
